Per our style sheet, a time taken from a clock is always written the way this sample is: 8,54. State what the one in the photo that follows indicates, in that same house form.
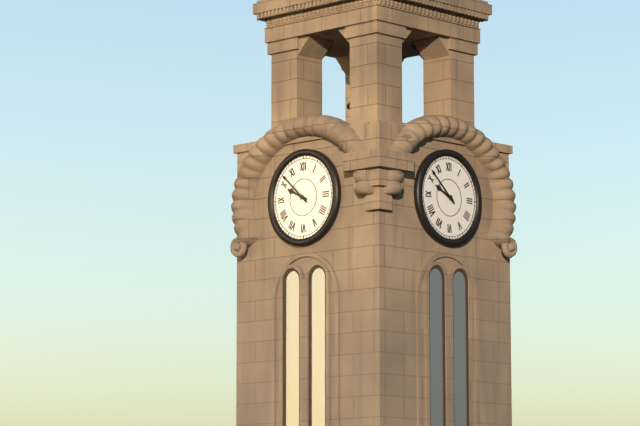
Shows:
9,52
